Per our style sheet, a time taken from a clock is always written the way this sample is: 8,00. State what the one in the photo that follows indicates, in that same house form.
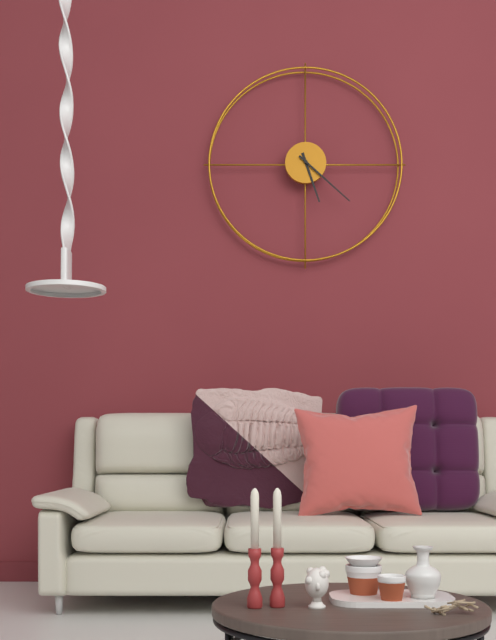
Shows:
5,22
